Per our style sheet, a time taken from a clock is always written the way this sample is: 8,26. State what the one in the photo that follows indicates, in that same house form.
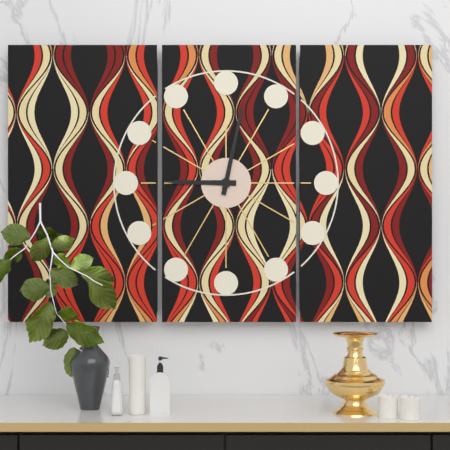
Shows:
9,02
